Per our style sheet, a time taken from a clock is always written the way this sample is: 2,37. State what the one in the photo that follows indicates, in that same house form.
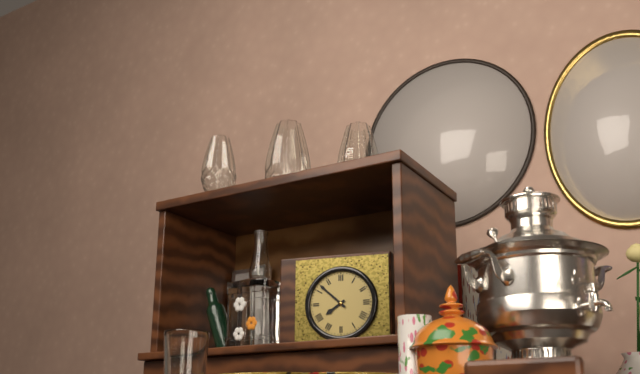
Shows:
7,52
